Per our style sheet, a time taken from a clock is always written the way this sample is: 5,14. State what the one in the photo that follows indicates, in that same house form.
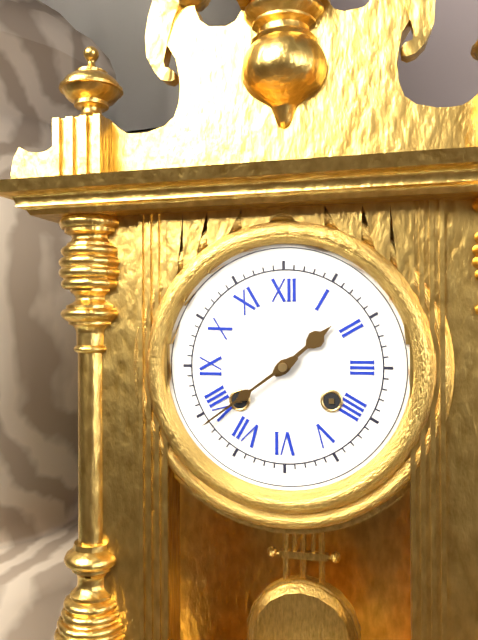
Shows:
1,39
